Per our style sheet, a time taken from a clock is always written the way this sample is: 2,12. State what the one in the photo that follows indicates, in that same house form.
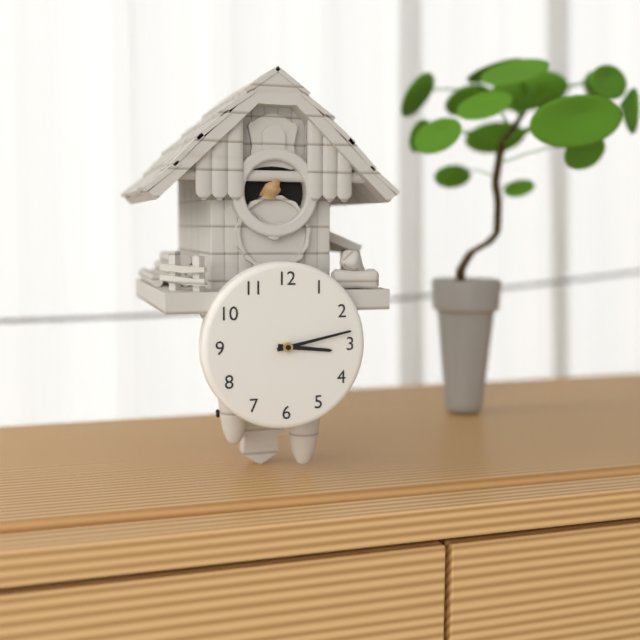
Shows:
3,13
